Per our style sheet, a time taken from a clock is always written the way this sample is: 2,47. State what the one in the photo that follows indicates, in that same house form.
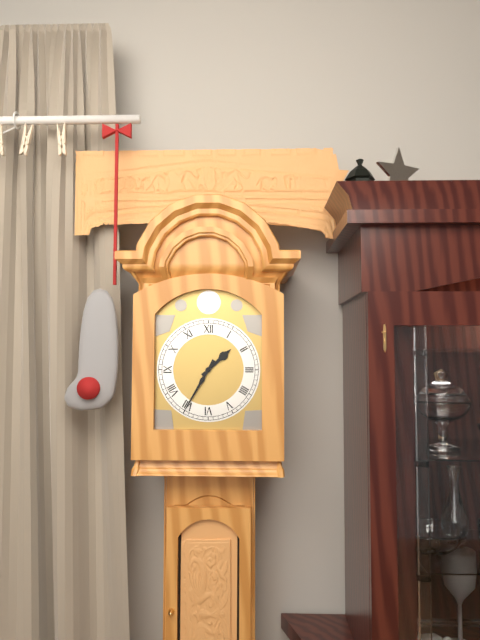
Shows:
1,35
